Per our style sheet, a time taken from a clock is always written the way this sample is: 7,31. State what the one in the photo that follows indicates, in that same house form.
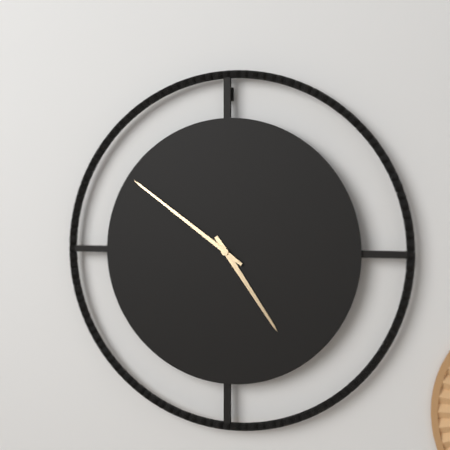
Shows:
4,51
